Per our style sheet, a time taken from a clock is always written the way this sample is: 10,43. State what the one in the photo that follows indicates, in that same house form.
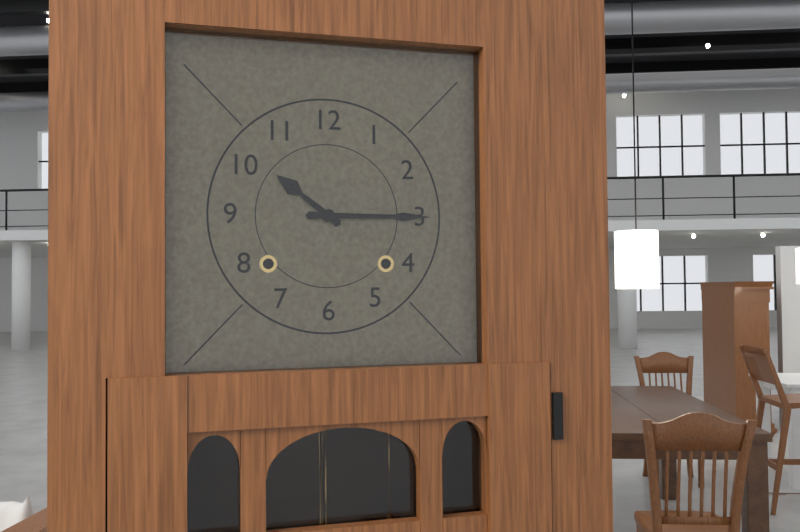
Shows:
10,15
